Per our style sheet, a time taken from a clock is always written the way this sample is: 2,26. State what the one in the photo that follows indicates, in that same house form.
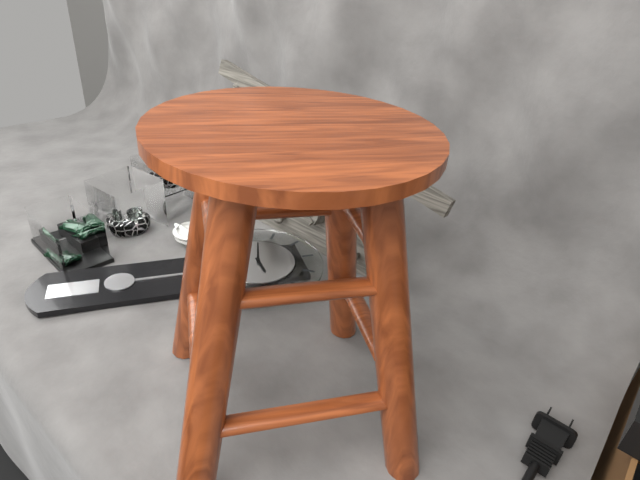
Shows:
2,47
